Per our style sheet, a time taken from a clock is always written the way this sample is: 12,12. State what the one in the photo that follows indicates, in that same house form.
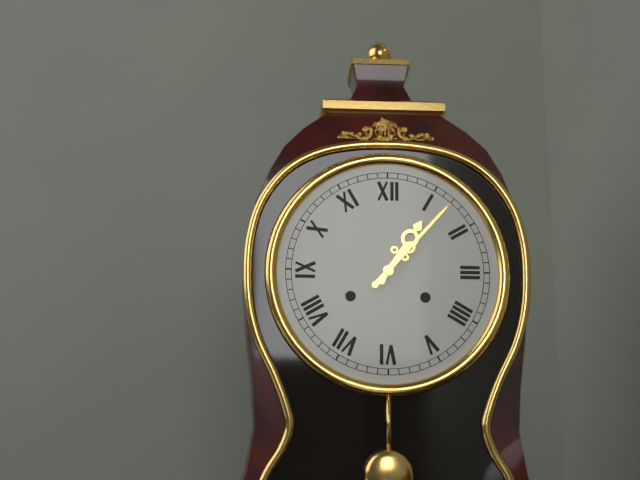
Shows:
1,07
